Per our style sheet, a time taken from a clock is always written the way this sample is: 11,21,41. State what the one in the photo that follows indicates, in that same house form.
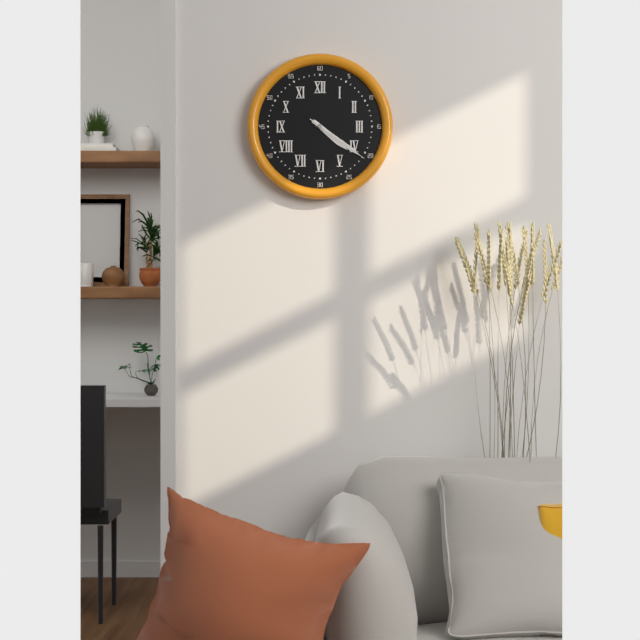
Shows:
4,21,21
